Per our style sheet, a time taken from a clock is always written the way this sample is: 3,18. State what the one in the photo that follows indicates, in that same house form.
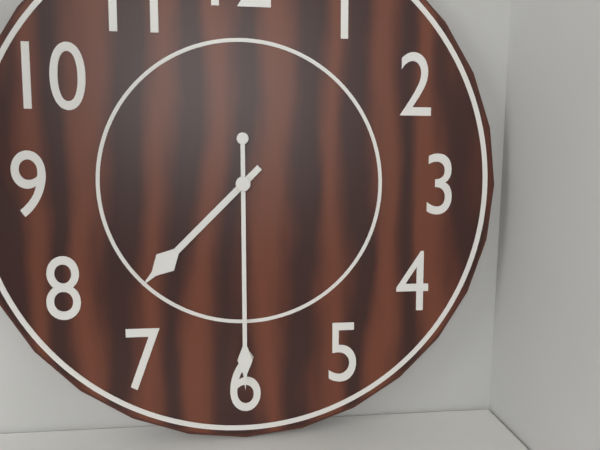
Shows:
7,30
